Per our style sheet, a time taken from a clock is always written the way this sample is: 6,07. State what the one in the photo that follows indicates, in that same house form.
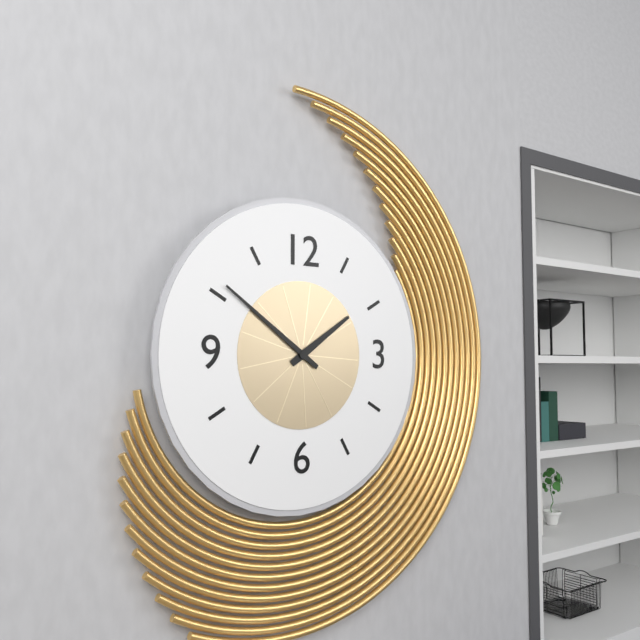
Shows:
1,51
